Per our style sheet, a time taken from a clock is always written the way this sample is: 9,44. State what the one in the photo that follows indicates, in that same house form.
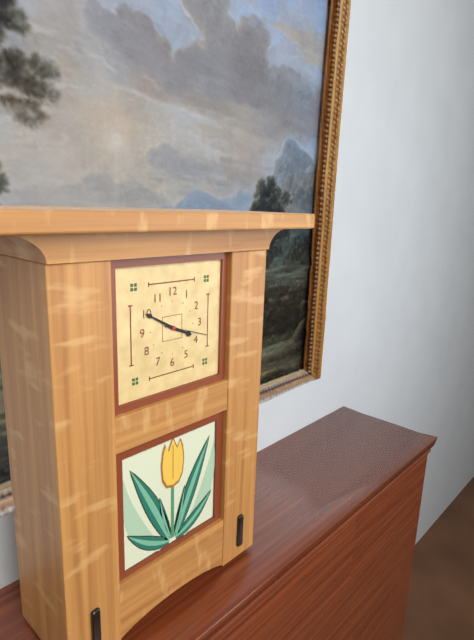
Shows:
3,50
